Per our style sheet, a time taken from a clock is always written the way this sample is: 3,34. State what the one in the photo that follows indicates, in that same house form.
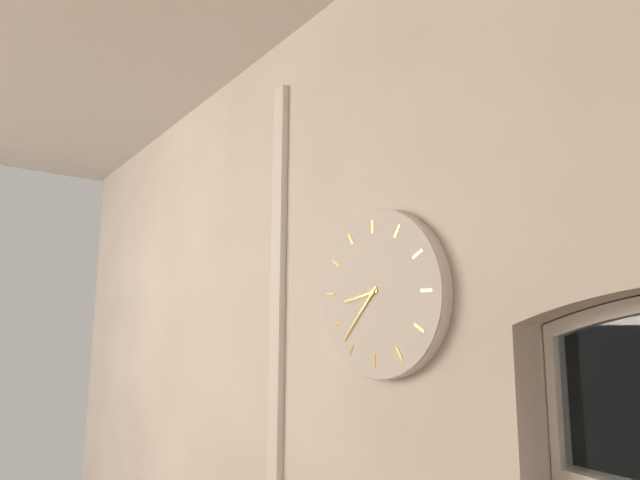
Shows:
8,37
